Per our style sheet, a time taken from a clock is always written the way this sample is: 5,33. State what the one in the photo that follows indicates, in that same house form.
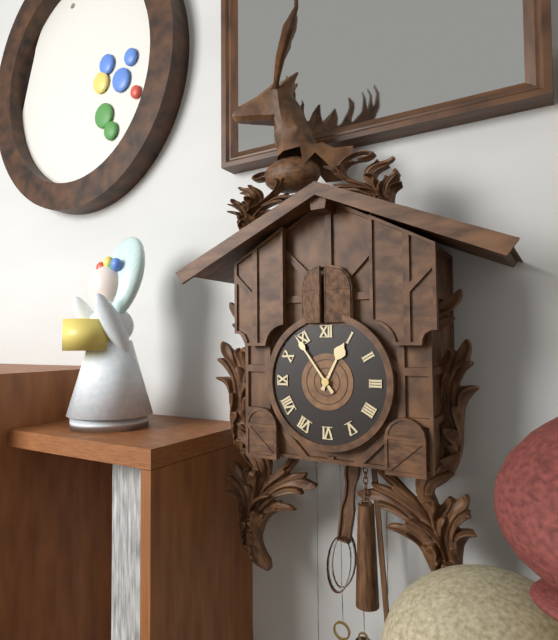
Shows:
12,54
